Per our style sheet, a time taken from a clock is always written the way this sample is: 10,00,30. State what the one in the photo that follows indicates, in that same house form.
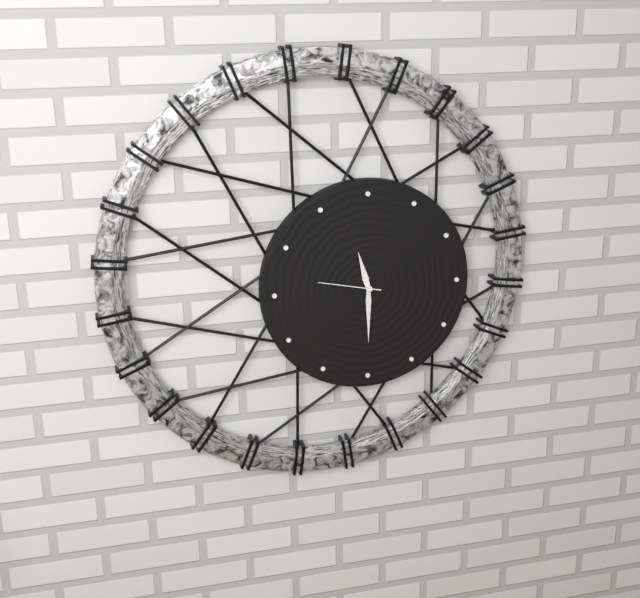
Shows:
11,30,47
